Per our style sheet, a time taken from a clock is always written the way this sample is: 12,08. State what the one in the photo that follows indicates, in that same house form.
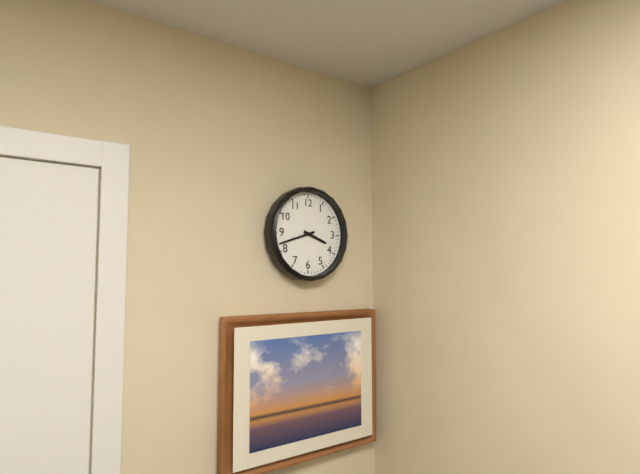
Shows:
3,42
